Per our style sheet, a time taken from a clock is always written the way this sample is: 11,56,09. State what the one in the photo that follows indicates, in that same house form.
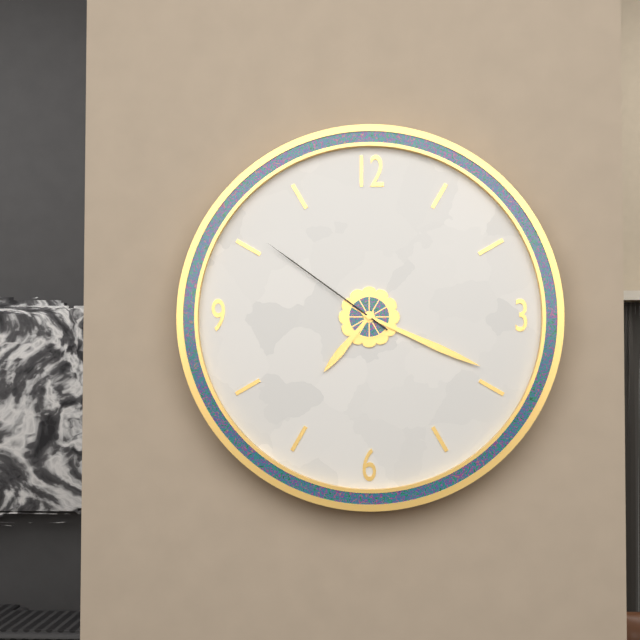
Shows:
7,19,51
